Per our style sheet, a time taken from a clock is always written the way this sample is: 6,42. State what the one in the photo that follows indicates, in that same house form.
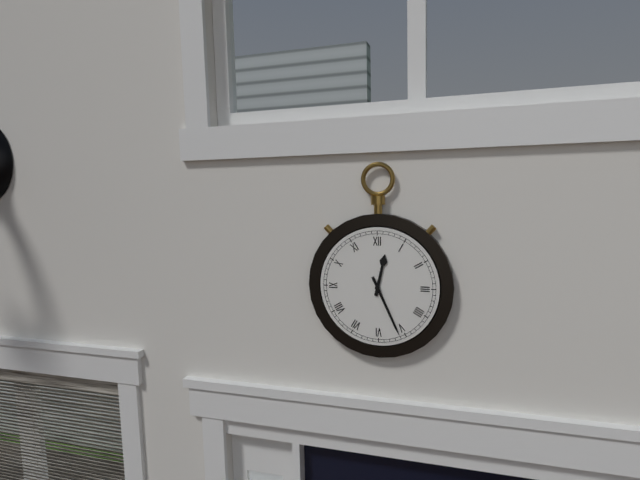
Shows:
12,26
